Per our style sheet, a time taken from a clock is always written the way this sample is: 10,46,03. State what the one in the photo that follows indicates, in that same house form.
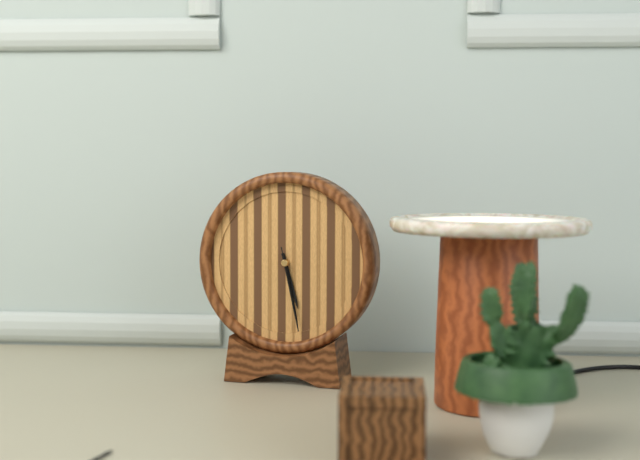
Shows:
5,28,28
